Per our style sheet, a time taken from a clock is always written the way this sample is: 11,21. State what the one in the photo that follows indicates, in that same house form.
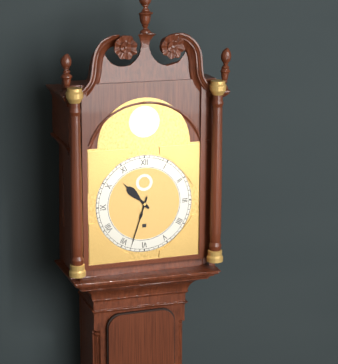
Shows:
10,33
